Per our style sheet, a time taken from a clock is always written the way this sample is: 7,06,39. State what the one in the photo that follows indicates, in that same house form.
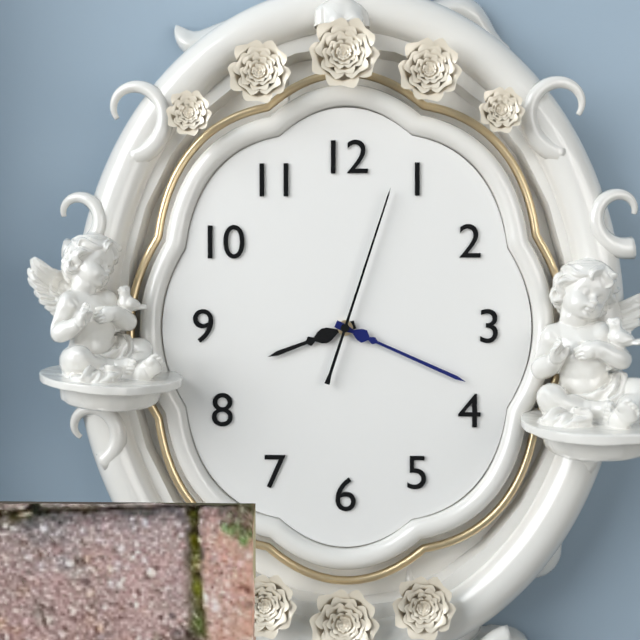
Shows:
8,19,03
